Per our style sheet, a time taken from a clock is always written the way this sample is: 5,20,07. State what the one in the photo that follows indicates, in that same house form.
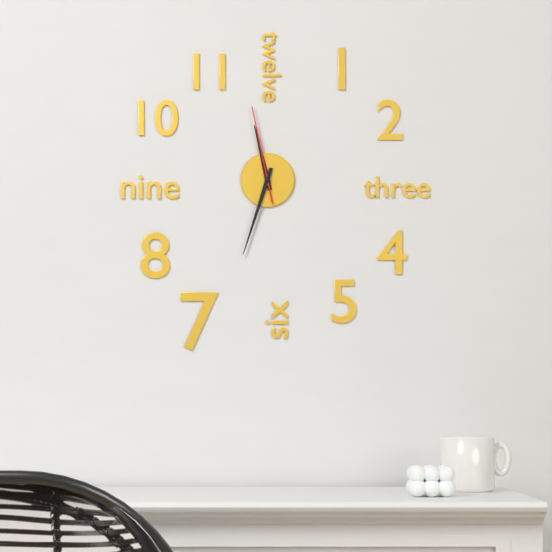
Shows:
11,33,58
